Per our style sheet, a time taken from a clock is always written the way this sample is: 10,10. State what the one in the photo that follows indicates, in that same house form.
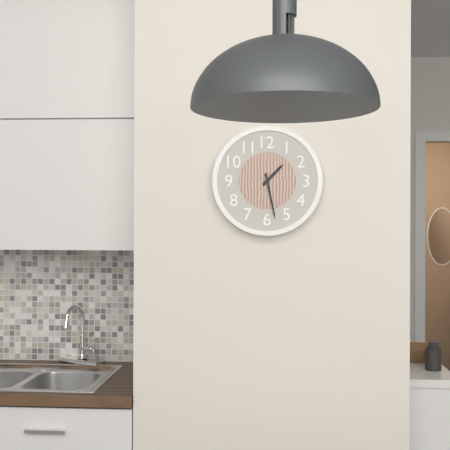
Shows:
1,28
